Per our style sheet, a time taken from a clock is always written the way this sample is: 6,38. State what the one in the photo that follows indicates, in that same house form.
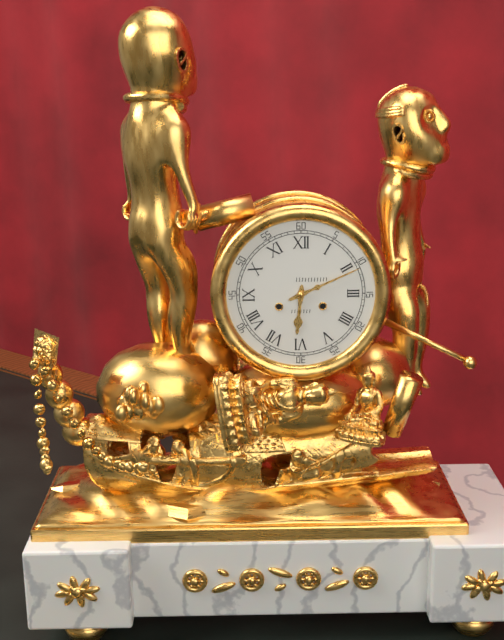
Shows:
6,11
